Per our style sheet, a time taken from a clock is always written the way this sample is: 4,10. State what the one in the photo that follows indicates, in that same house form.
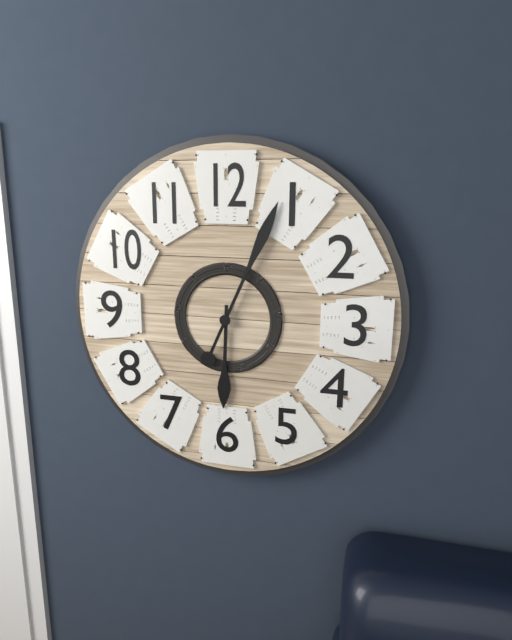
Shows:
6,04
